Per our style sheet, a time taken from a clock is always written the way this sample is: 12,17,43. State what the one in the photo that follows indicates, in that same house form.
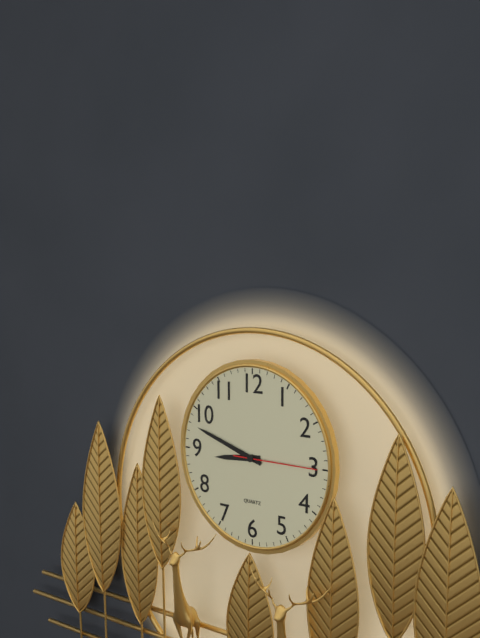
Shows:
8,48,15
